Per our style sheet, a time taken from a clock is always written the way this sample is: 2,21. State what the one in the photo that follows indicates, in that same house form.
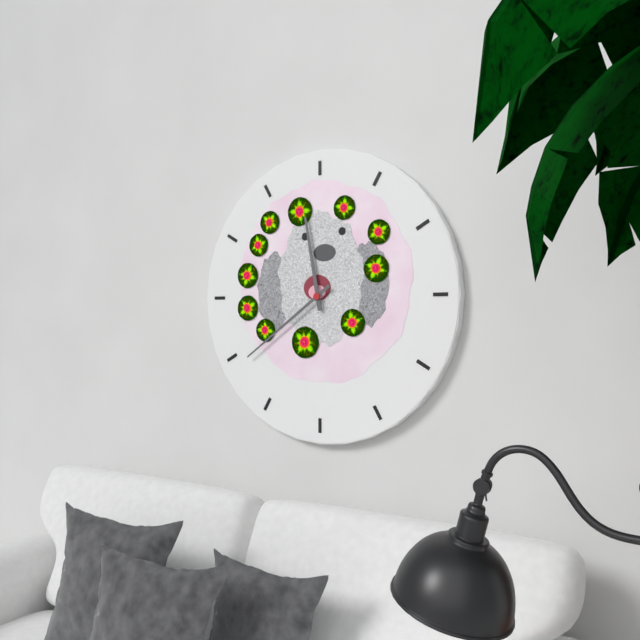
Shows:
11,39
